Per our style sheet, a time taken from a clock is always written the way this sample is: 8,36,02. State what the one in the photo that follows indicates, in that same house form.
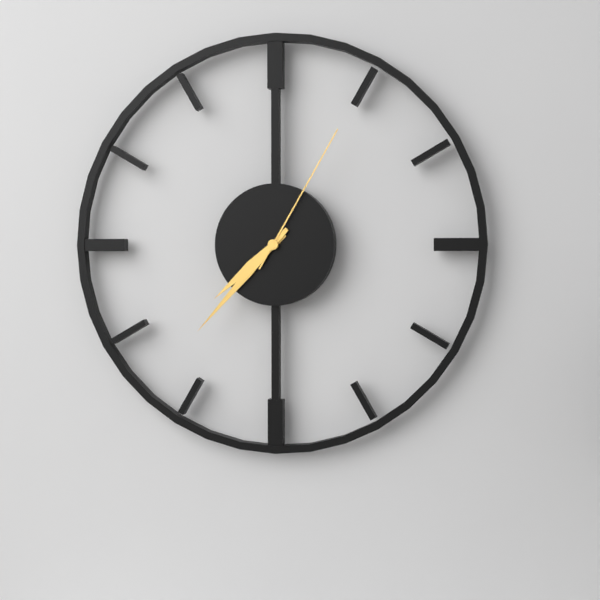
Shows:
7,37,05
